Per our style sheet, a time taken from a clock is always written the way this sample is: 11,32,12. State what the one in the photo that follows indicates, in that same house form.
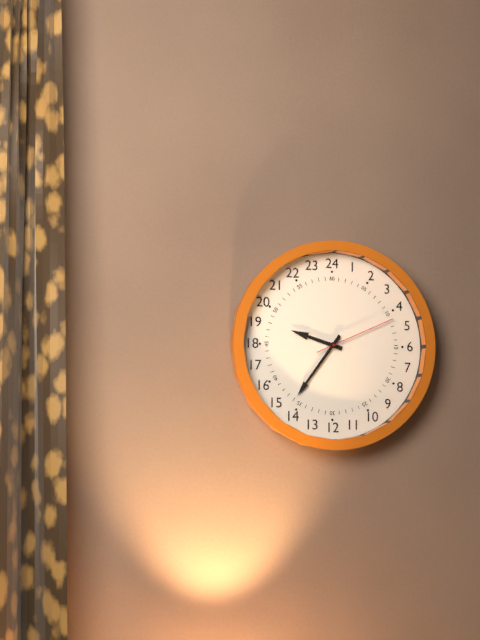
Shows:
9,36,11
